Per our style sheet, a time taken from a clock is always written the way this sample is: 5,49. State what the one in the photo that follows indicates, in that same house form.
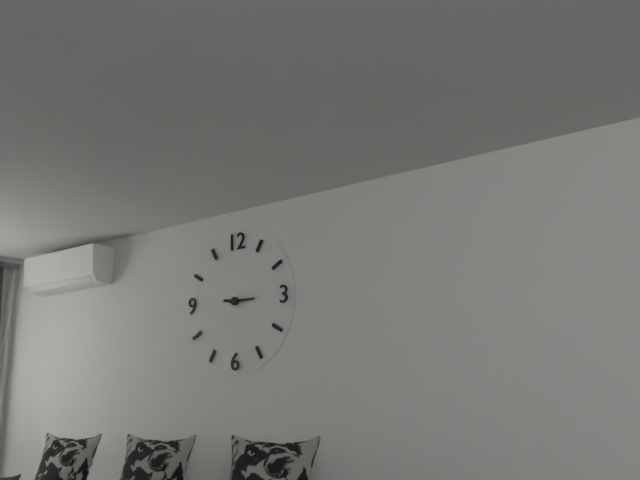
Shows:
9,15
